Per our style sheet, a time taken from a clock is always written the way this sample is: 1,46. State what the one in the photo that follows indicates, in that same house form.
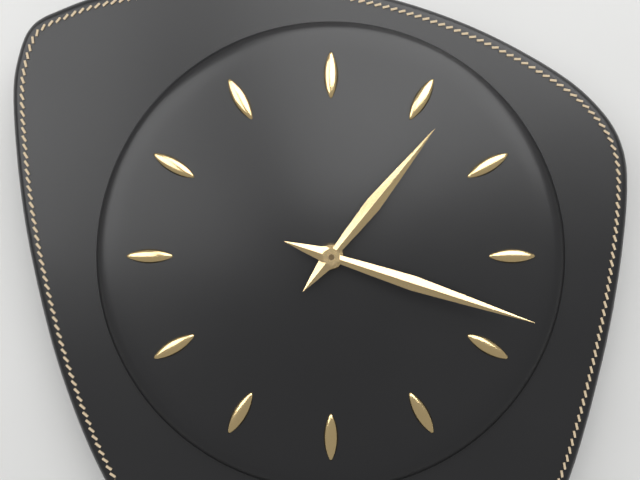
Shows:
1,18
